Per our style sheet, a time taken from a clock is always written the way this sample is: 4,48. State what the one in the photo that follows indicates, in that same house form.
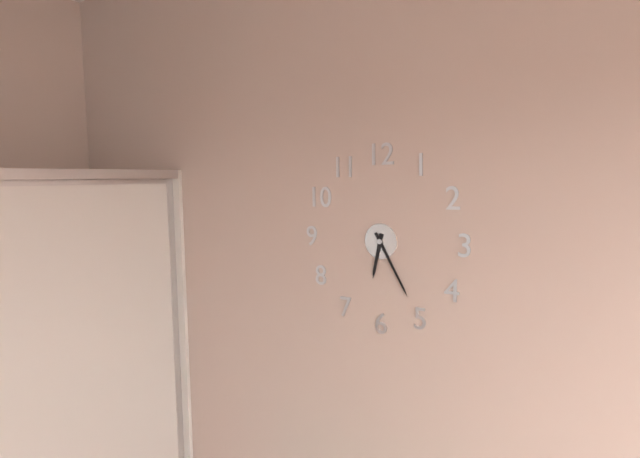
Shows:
6,25
